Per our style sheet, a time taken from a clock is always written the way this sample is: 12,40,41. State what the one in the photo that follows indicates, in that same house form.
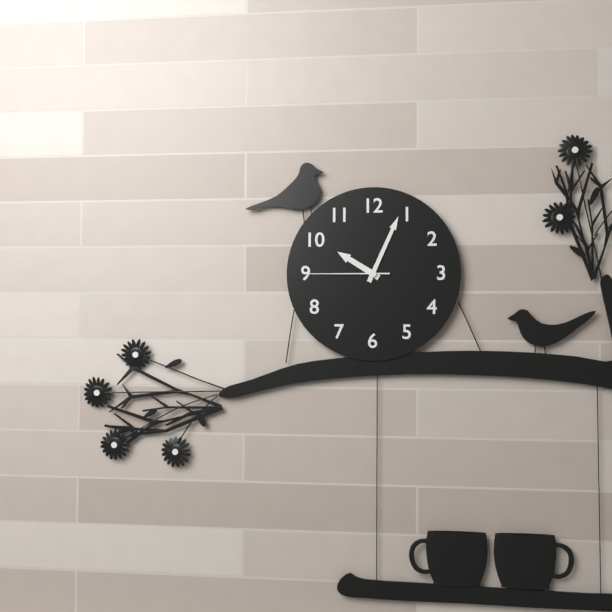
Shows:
10,04,45
